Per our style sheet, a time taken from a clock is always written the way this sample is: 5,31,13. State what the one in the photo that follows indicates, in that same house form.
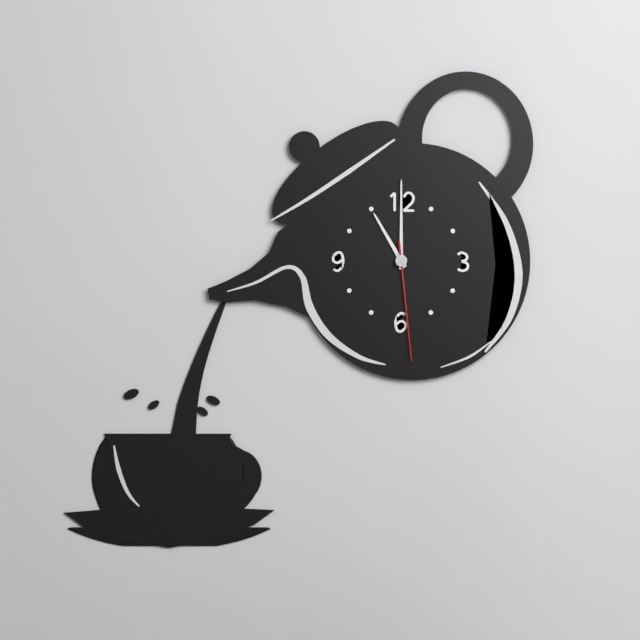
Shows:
11,00,29
